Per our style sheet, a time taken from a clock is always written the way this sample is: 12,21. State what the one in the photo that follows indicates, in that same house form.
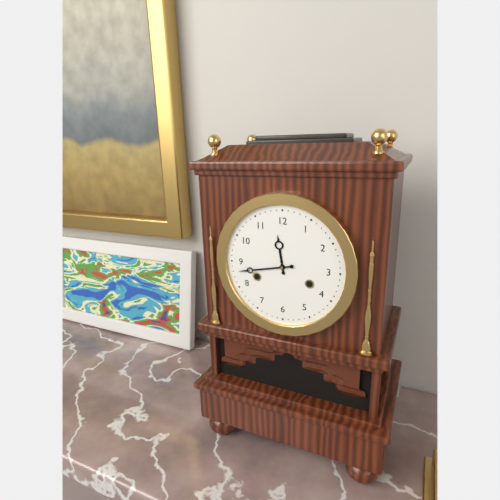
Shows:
11,43
